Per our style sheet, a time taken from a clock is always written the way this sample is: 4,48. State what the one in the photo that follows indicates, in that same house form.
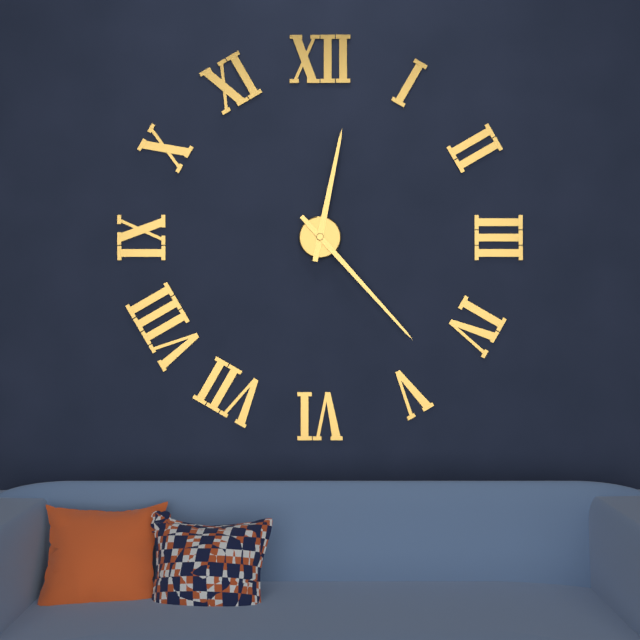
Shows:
12,23
